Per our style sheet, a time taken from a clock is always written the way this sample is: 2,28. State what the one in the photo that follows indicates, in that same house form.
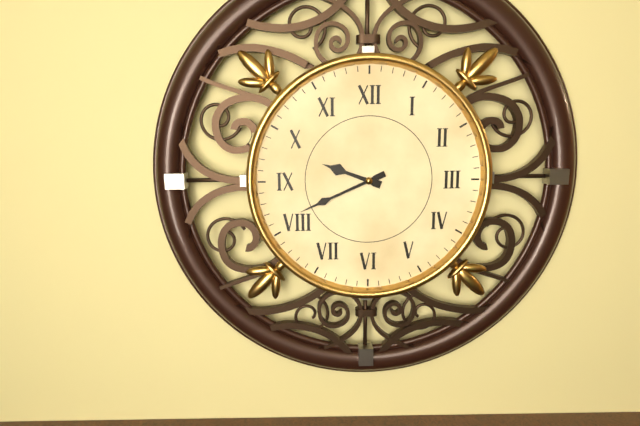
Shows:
9,41
